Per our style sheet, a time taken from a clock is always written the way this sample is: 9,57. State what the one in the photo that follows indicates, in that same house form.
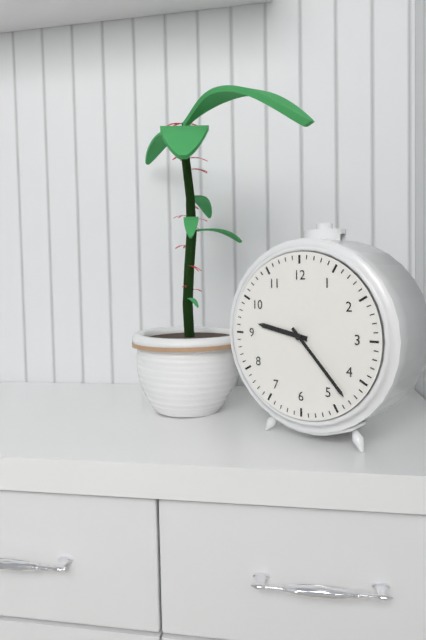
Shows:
9,23
